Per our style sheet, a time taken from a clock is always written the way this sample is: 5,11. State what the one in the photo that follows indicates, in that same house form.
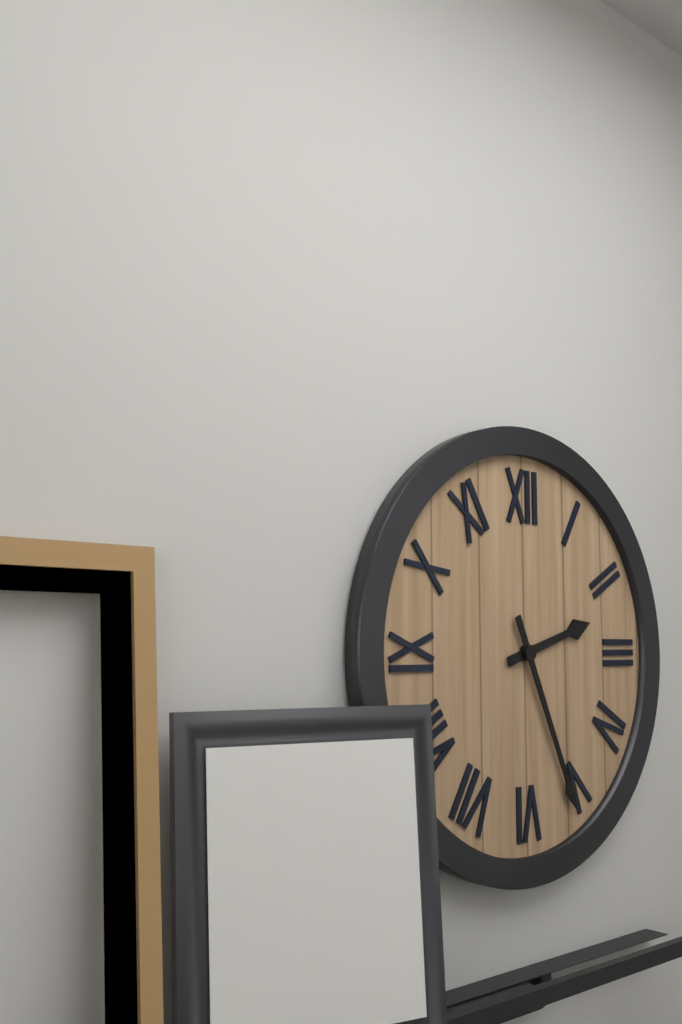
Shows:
2,26
